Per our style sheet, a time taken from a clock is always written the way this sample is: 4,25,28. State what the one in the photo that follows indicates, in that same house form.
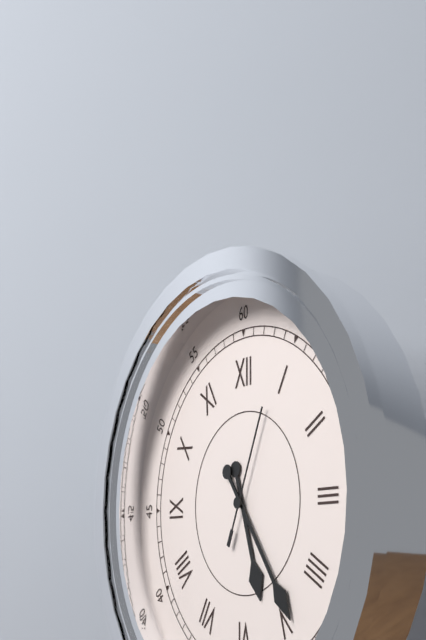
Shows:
5,24,04
